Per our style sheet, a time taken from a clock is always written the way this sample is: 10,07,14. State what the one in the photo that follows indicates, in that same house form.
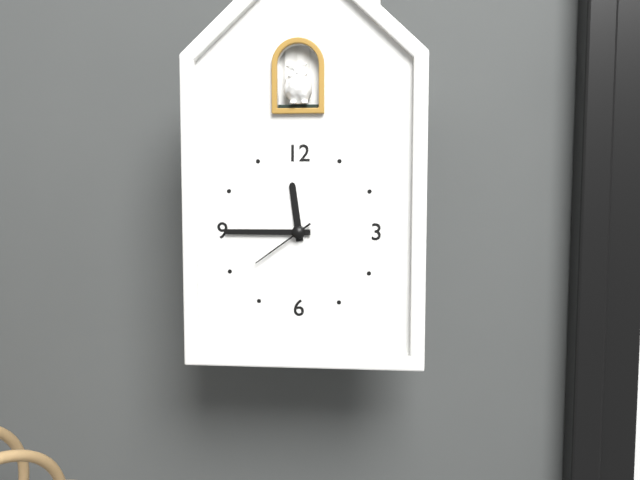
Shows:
11,45,39
